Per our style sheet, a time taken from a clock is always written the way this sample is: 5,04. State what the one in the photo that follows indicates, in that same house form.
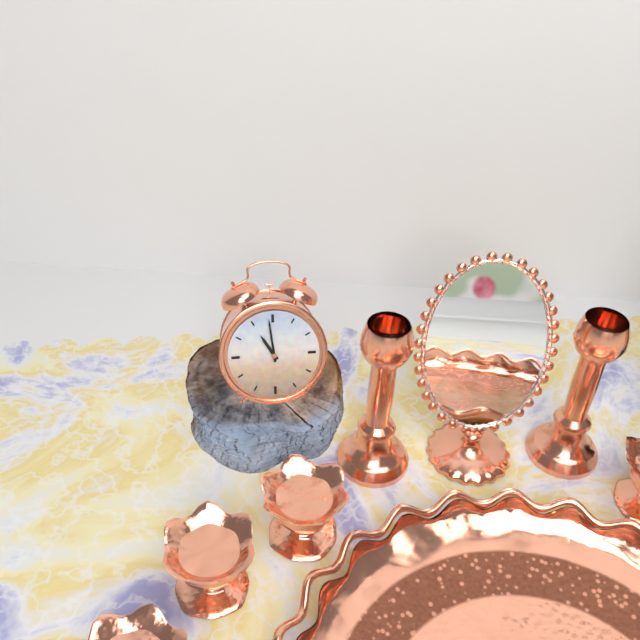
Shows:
10,59
